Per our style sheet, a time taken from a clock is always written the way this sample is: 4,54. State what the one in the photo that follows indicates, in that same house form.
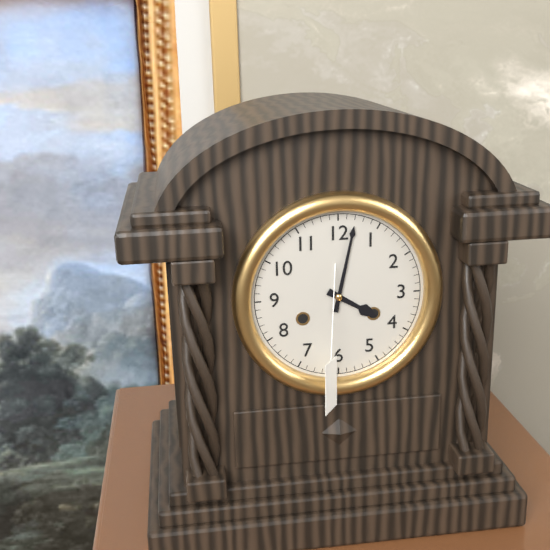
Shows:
4,02
